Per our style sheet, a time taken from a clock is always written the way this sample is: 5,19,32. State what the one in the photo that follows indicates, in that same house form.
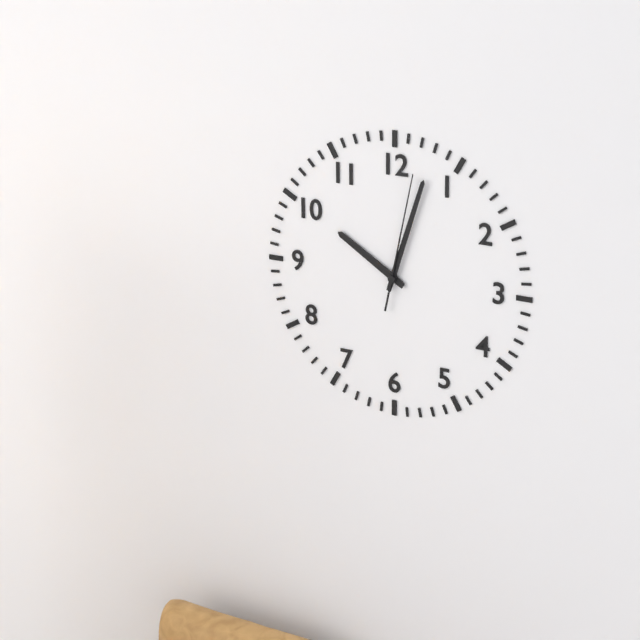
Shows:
10,03,02
